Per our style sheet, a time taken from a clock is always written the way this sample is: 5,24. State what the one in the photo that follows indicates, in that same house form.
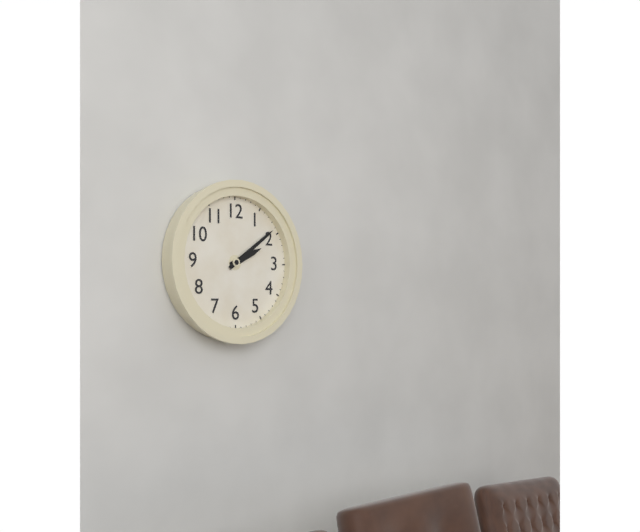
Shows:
2,09
